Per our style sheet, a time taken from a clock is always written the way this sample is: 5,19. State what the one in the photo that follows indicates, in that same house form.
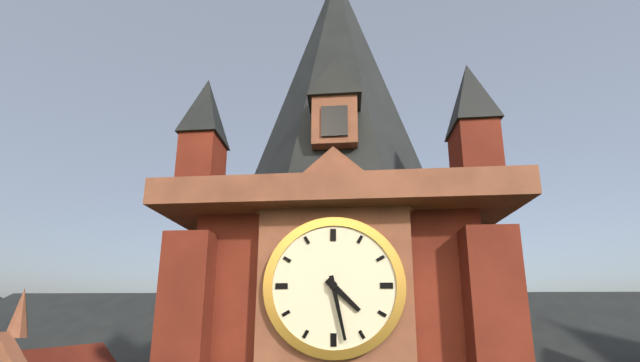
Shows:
4,28
